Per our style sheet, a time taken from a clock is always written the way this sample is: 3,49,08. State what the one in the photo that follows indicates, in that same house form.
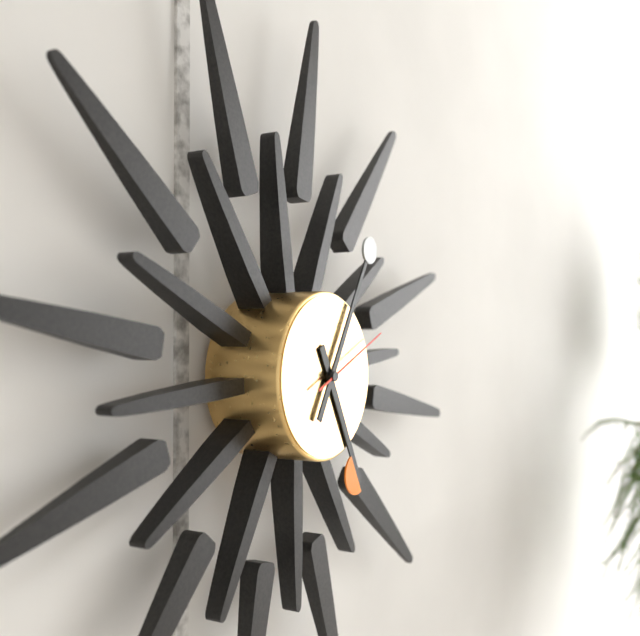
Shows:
5,05,11
